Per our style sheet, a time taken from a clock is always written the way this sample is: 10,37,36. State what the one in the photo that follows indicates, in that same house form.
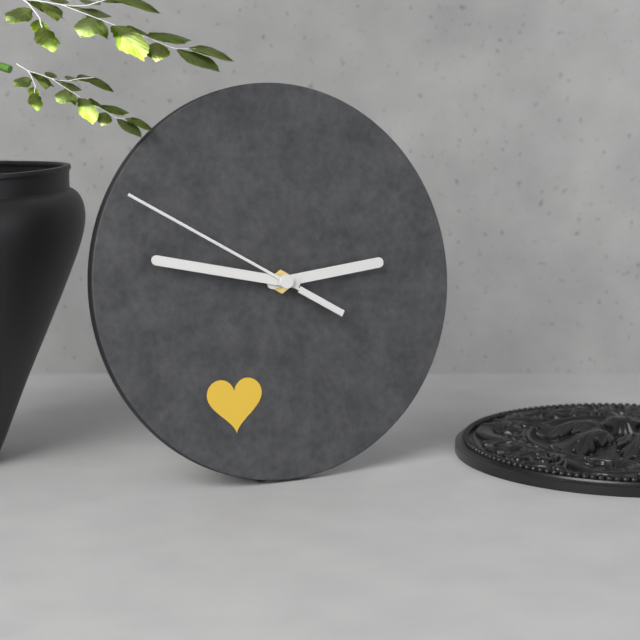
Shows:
2,47,50
